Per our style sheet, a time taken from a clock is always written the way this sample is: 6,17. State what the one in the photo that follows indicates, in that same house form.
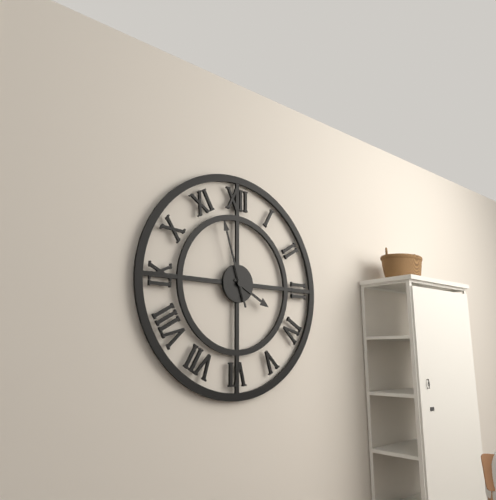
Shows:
3,57
